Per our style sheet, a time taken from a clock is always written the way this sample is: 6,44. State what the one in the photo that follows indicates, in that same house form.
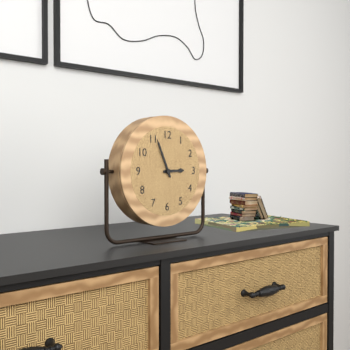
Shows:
2,56
